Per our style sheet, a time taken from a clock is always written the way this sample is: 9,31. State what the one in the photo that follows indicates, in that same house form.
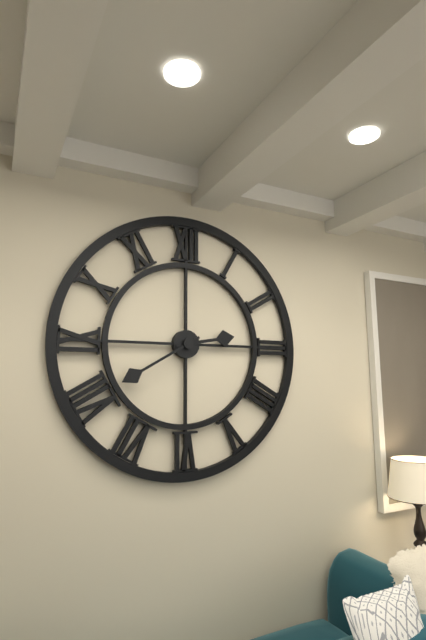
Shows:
2,40
